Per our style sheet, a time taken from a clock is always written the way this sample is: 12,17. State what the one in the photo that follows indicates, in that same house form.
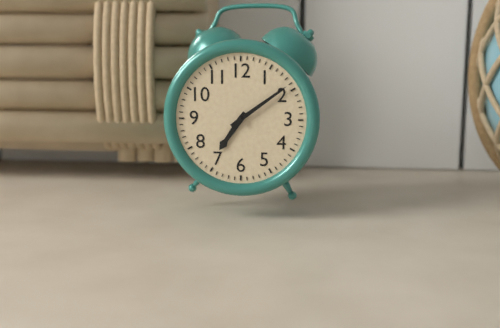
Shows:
7,09
